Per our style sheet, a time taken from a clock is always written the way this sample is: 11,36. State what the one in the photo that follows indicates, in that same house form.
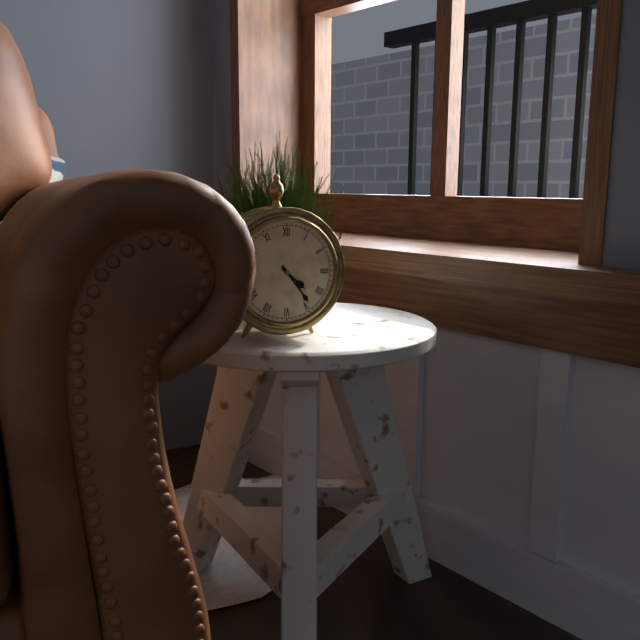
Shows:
4,24
